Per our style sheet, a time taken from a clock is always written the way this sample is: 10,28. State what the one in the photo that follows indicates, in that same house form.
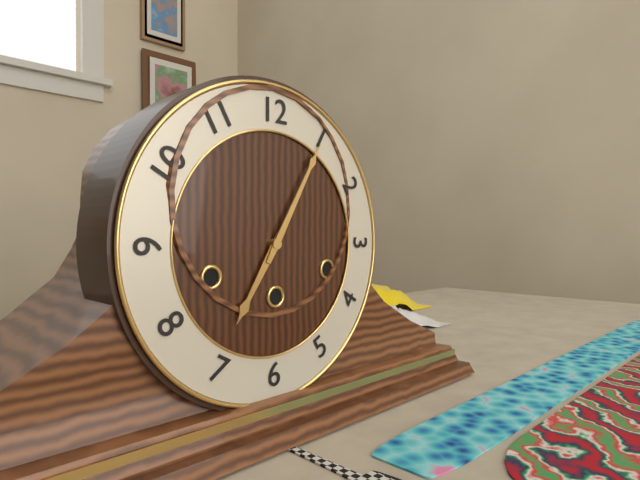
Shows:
7,05
